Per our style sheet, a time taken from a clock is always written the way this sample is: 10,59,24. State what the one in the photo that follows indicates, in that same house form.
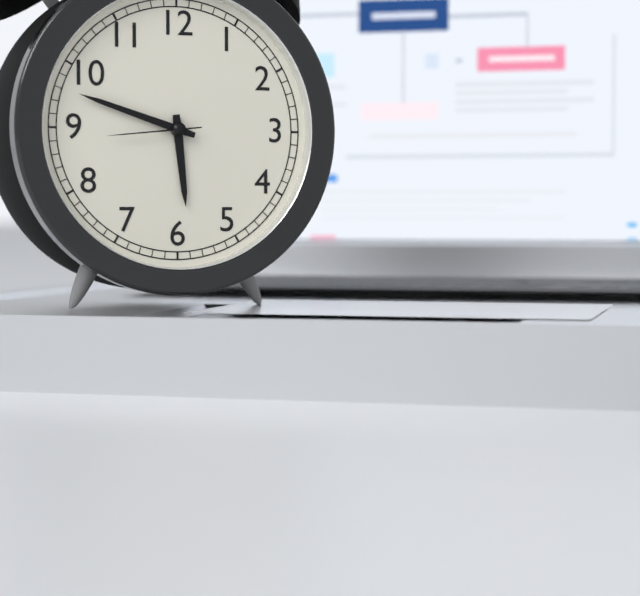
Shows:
5,48,44
